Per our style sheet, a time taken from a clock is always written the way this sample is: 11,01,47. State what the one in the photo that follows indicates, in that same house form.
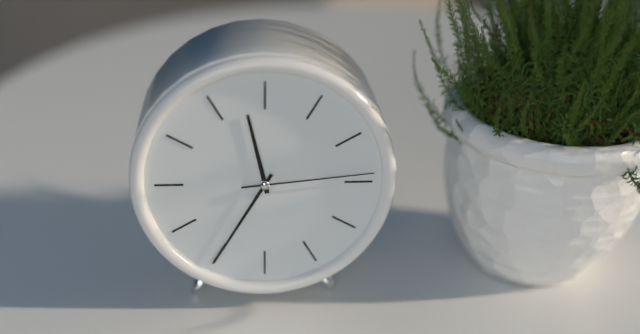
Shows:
11,35,14
